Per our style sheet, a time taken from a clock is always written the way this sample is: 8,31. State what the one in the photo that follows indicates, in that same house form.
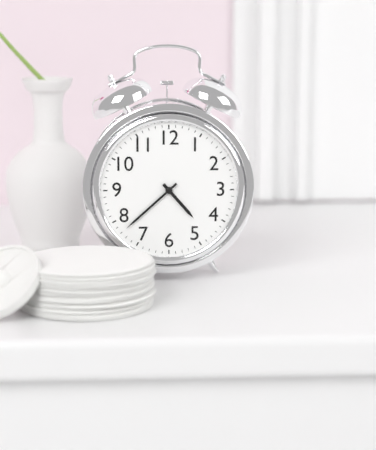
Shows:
4,38
